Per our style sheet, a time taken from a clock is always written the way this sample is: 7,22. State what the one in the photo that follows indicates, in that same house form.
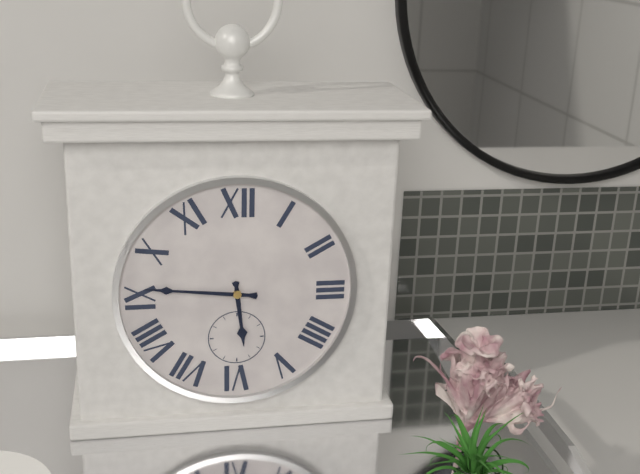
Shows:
5,46
